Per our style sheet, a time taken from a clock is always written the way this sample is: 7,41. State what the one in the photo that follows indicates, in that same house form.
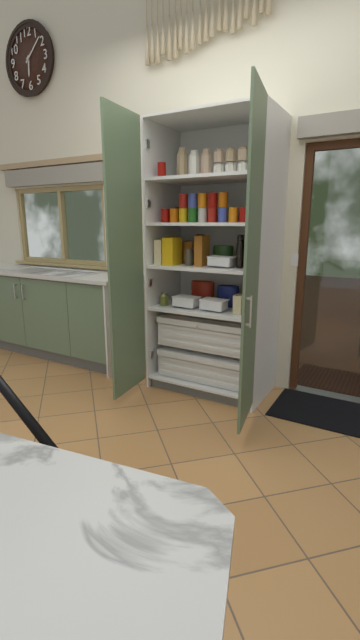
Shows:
6,08
